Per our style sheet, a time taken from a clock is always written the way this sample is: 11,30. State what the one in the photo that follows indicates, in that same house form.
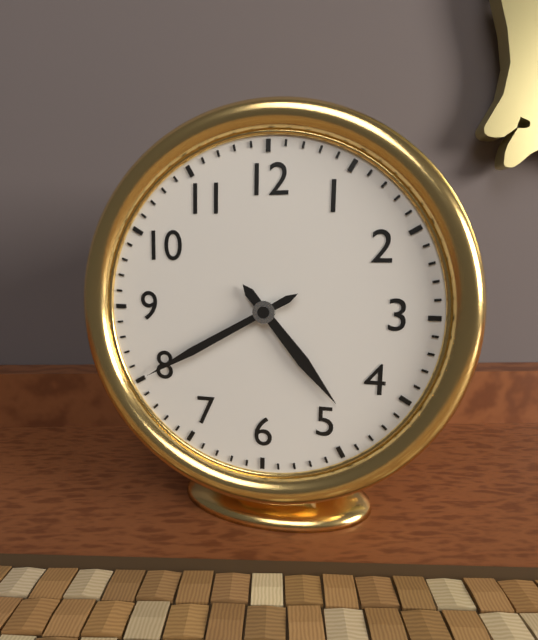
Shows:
4,40
